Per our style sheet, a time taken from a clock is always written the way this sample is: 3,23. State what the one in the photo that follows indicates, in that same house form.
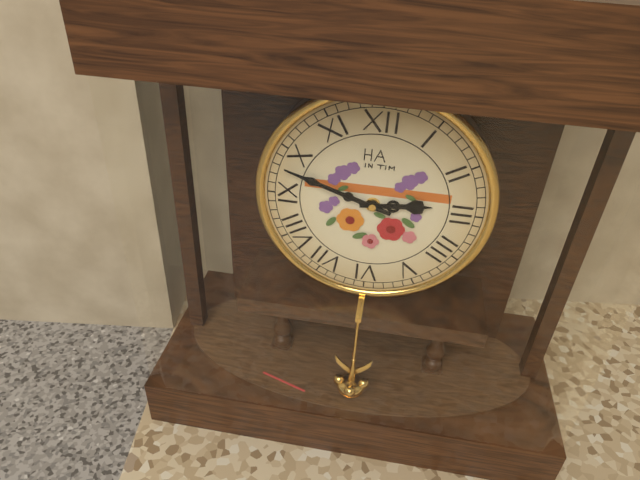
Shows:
2,48
